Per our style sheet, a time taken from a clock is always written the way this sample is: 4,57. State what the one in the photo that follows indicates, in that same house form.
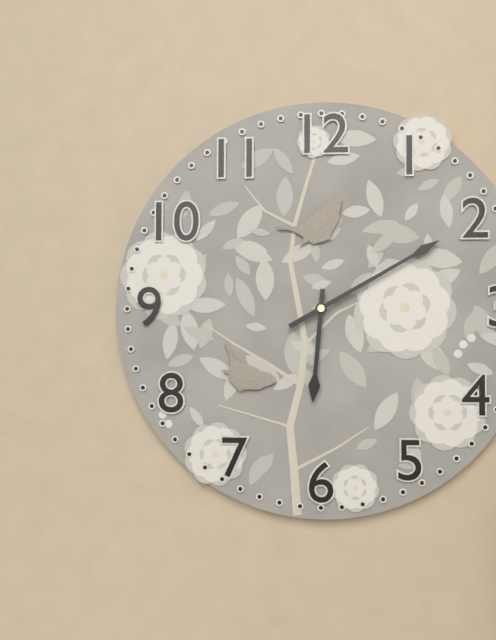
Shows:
6,10
